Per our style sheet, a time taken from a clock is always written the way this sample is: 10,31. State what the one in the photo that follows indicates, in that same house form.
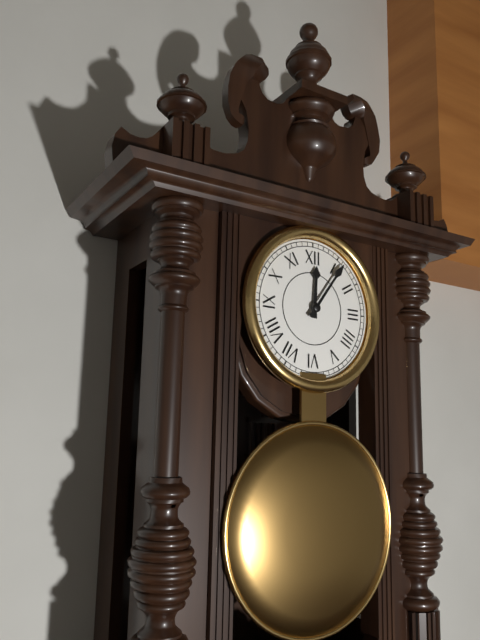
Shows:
12,06
